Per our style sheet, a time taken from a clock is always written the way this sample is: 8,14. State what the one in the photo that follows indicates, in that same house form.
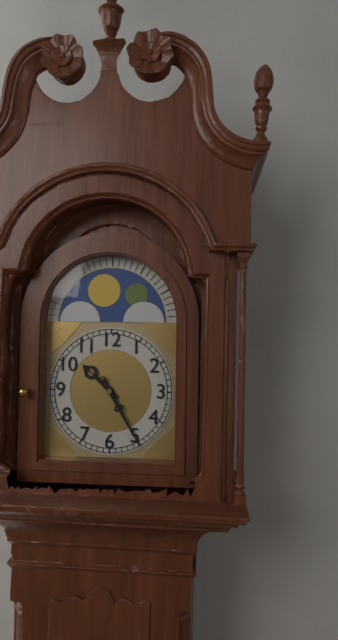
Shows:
10,25
